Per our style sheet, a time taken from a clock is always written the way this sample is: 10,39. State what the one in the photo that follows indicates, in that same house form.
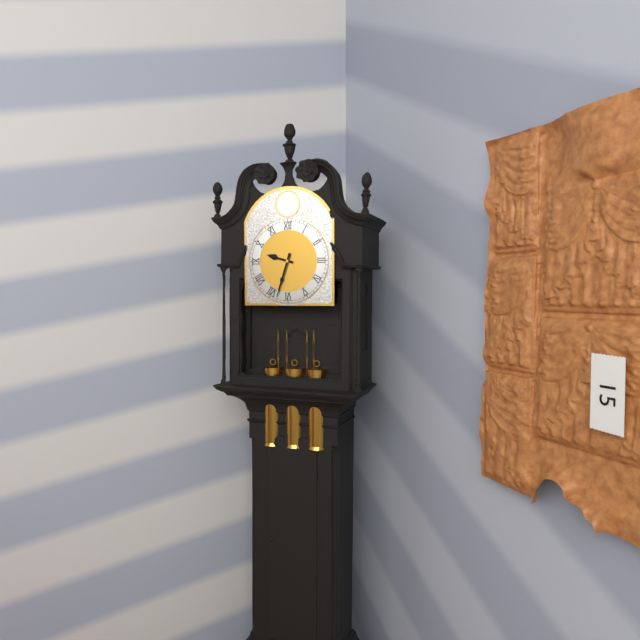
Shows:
9,33
